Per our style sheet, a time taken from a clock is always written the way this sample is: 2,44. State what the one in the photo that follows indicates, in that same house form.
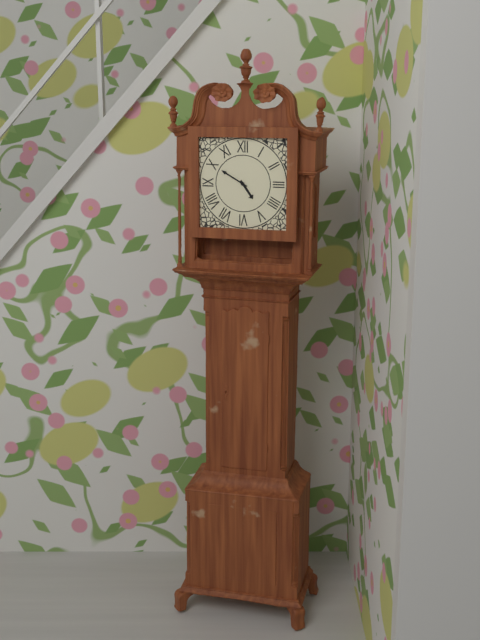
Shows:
4,50
